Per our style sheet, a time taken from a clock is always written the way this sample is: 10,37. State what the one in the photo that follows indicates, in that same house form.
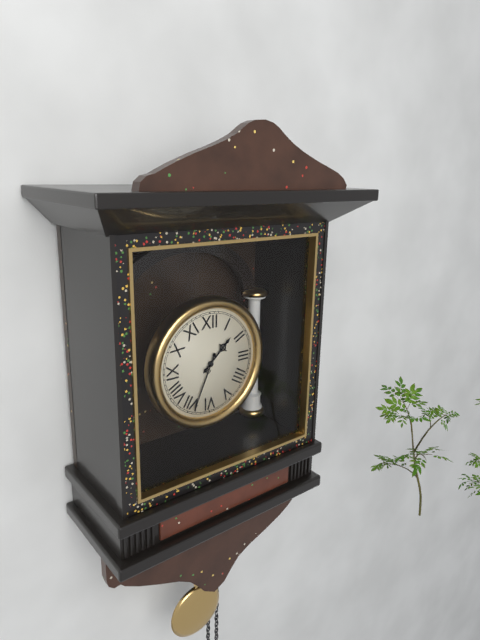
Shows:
1,34
